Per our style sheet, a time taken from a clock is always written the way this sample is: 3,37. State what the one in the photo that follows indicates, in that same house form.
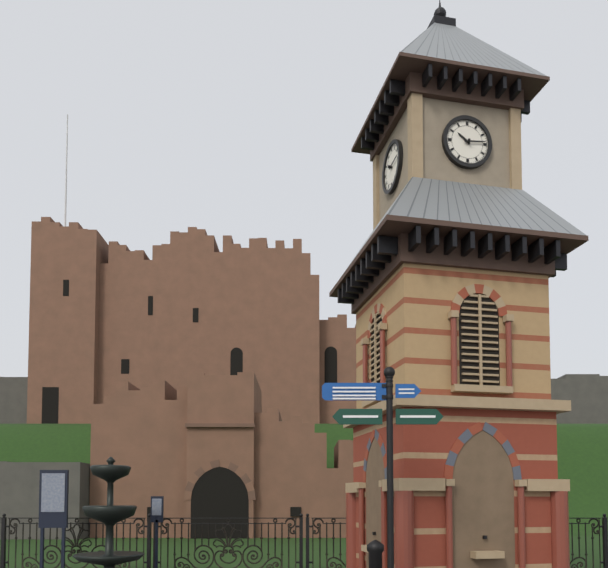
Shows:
10,14
